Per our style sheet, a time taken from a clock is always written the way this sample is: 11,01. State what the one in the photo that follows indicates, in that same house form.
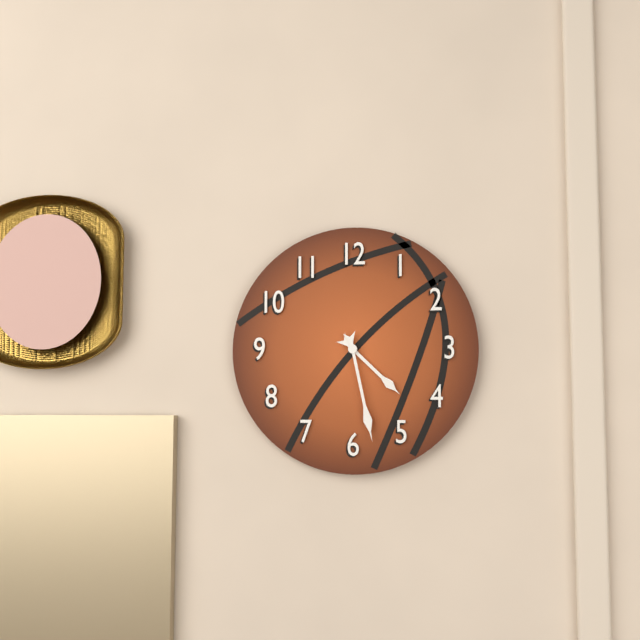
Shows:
4,28
